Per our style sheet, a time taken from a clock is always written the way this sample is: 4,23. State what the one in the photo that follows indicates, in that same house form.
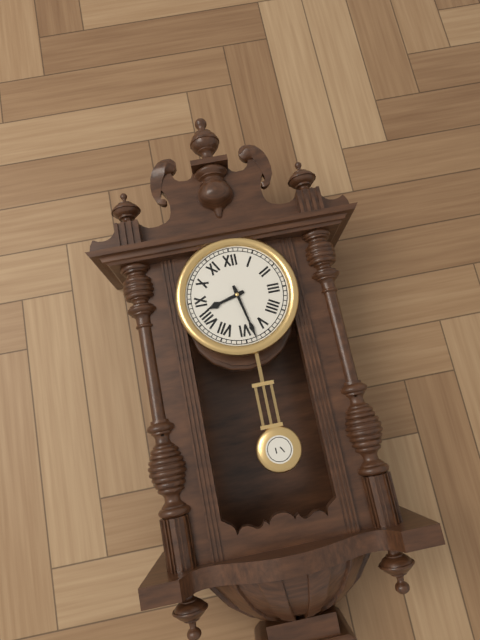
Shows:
8,28
